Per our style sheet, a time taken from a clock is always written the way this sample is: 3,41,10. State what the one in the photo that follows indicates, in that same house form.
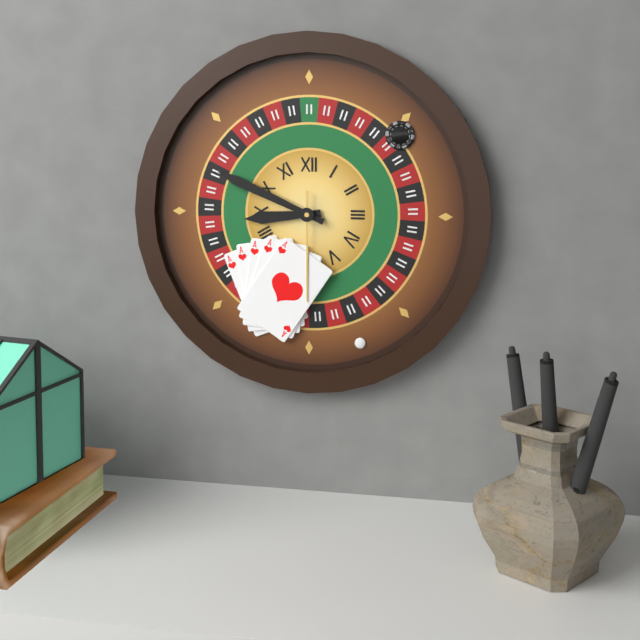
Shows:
8,49,30
